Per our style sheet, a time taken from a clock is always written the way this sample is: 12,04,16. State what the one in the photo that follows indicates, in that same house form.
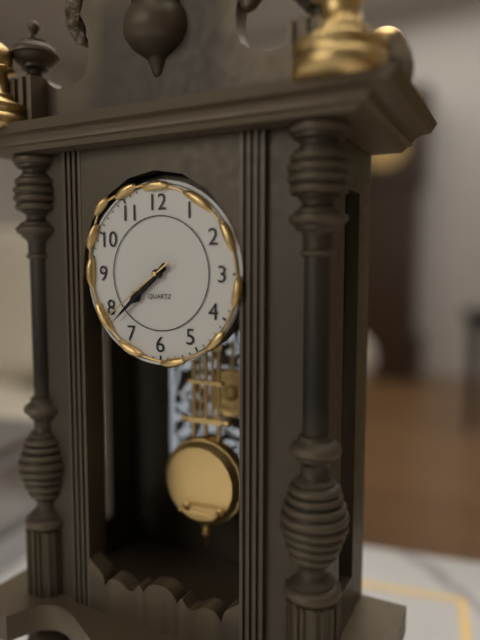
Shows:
7,38,39
